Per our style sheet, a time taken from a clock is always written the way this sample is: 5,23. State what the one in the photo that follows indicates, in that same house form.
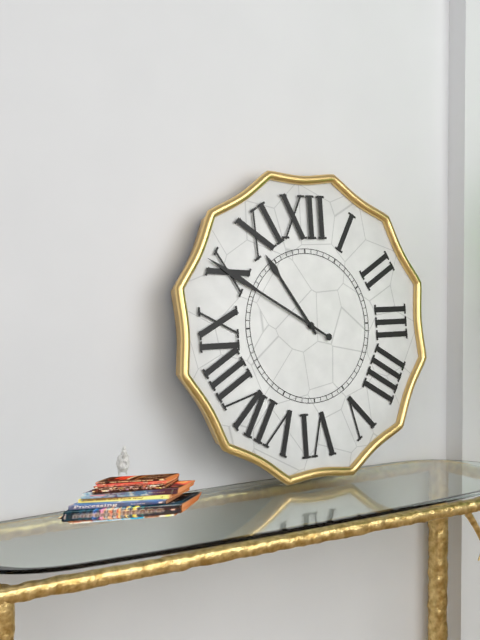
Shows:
10,50
